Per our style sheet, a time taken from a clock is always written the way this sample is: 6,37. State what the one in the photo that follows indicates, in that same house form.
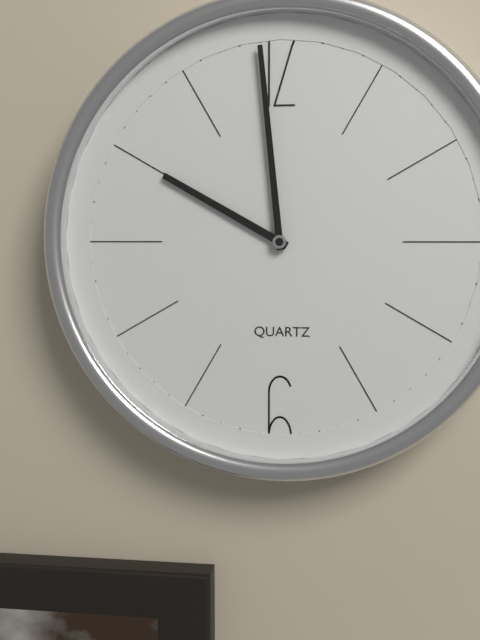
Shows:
9,59
